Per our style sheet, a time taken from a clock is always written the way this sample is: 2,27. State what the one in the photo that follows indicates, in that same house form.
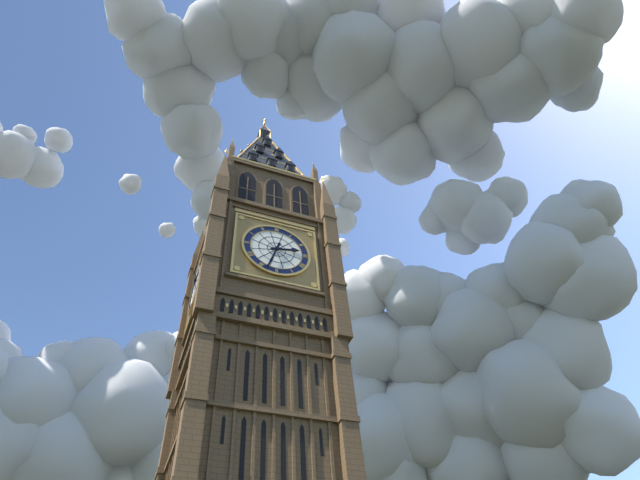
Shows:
2,33
